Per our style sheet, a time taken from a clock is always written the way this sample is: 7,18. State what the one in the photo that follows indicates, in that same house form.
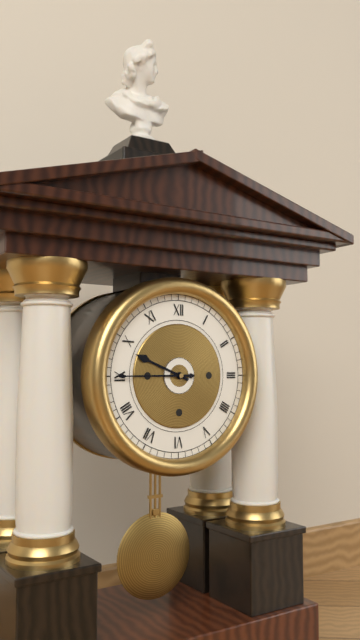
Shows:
9,45
